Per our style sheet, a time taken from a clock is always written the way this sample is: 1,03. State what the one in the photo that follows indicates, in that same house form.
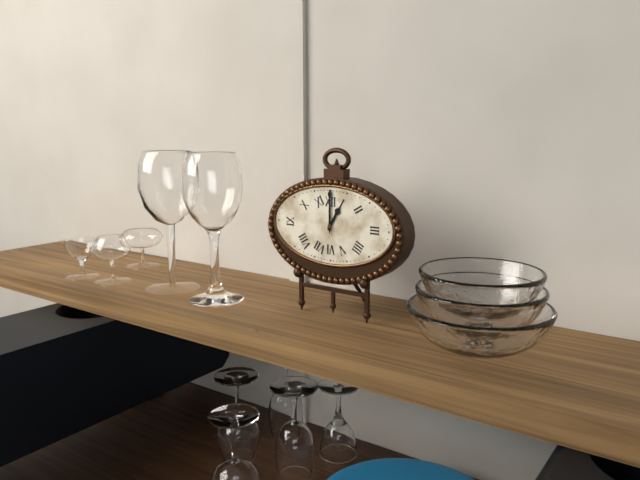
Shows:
1,00
